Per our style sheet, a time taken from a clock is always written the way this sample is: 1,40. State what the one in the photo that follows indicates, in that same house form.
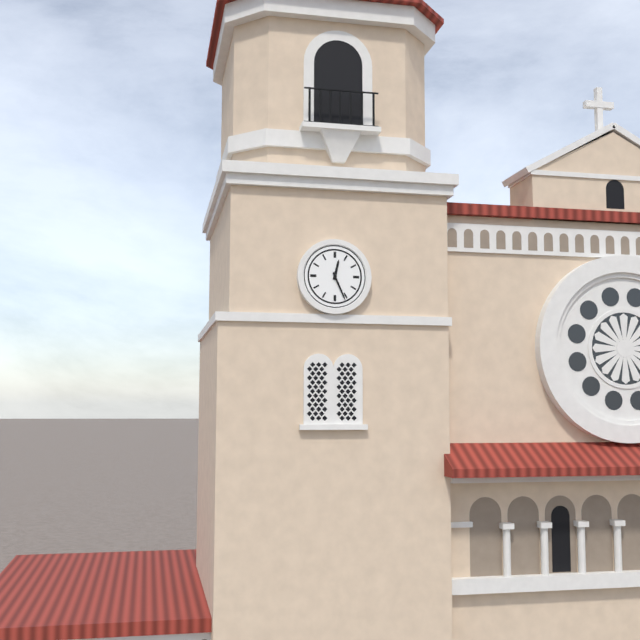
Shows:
12,26
